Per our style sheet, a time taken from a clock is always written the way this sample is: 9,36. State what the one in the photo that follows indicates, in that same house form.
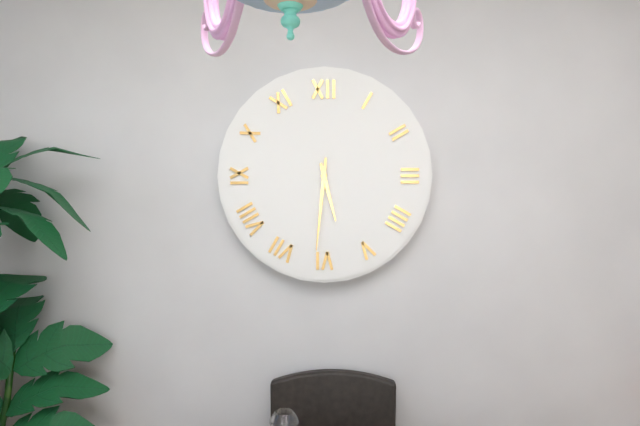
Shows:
5,31
